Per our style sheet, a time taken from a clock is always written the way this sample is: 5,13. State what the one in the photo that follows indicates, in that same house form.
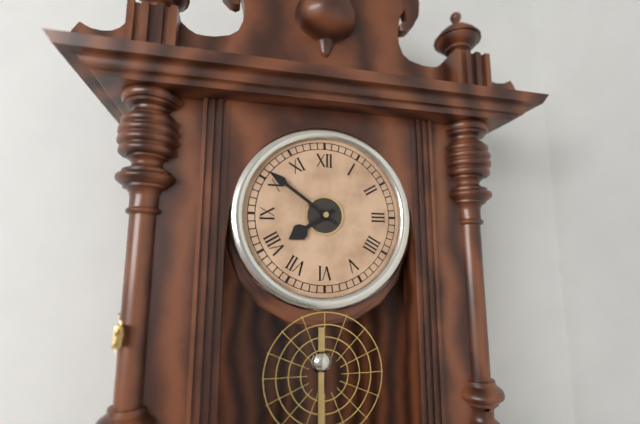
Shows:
7,51
